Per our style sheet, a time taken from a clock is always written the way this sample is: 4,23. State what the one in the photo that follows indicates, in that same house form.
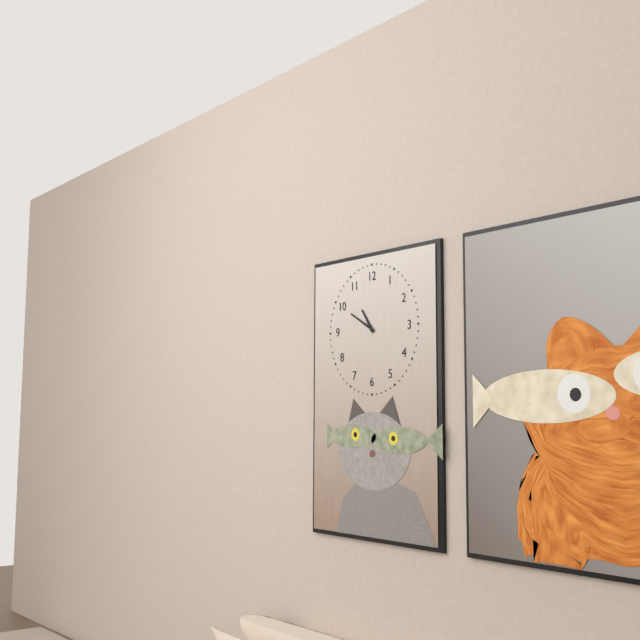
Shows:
10,50
